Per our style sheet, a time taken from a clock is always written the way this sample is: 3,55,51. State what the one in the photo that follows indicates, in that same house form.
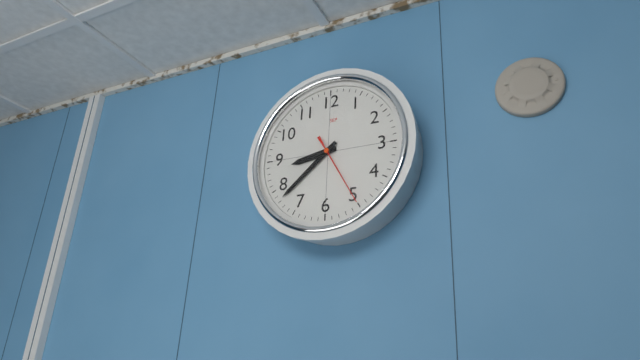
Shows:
8,38,25
